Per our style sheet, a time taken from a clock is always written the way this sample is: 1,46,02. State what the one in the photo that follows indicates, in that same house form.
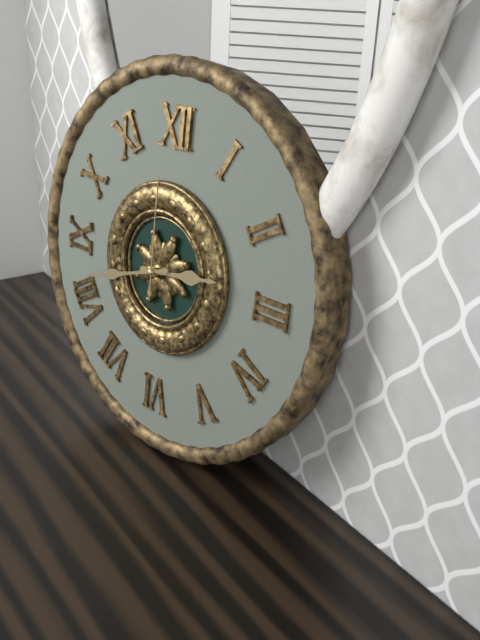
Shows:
2,42,00
